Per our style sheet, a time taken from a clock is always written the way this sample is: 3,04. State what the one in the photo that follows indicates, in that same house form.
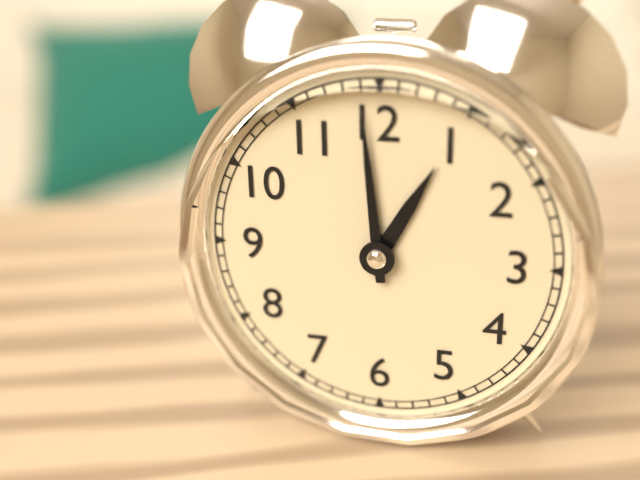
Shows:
12,59
